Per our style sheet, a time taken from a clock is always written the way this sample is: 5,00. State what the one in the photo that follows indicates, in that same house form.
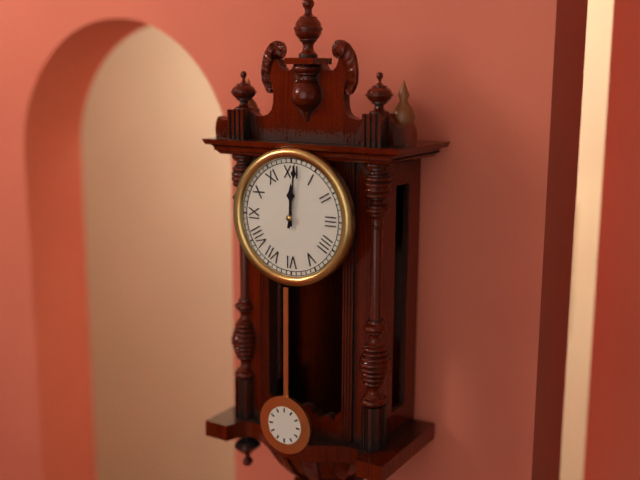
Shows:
12,01
